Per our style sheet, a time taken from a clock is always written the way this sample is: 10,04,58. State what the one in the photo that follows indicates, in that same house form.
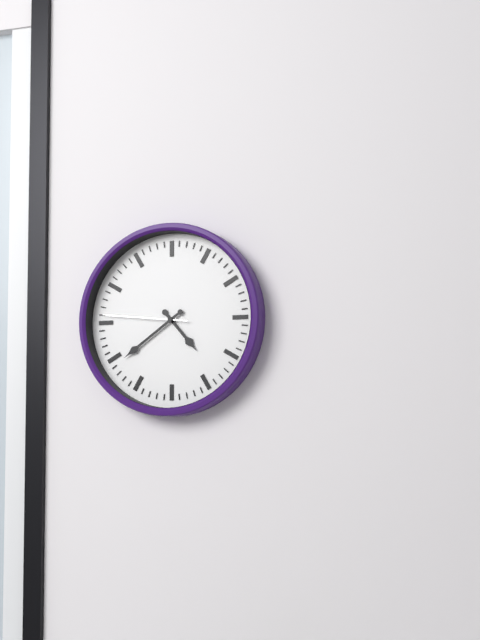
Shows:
4,39,46
